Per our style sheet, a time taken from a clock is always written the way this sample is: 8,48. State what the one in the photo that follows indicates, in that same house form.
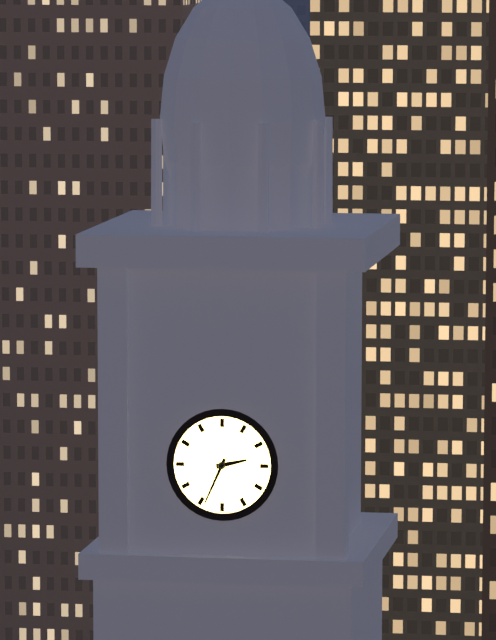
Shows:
2,34
